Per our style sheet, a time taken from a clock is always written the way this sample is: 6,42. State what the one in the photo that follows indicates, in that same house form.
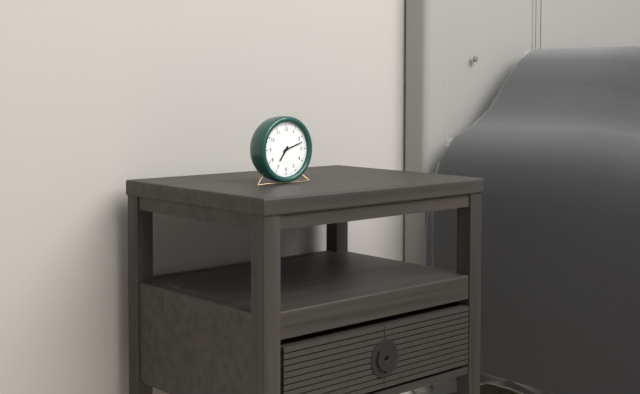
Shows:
7,12
